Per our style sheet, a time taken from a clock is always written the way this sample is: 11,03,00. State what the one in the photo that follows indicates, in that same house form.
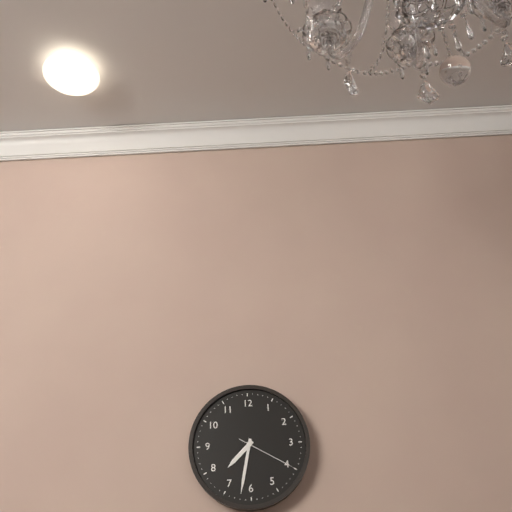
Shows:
7,32,20
